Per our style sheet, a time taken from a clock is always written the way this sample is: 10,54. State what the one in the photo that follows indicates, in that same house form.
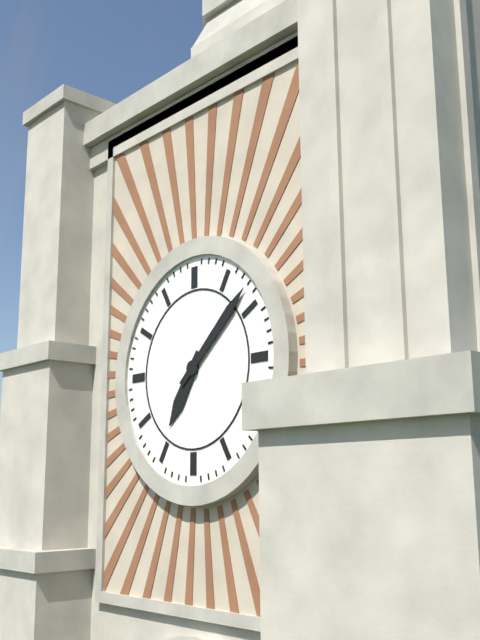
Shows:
7,08
